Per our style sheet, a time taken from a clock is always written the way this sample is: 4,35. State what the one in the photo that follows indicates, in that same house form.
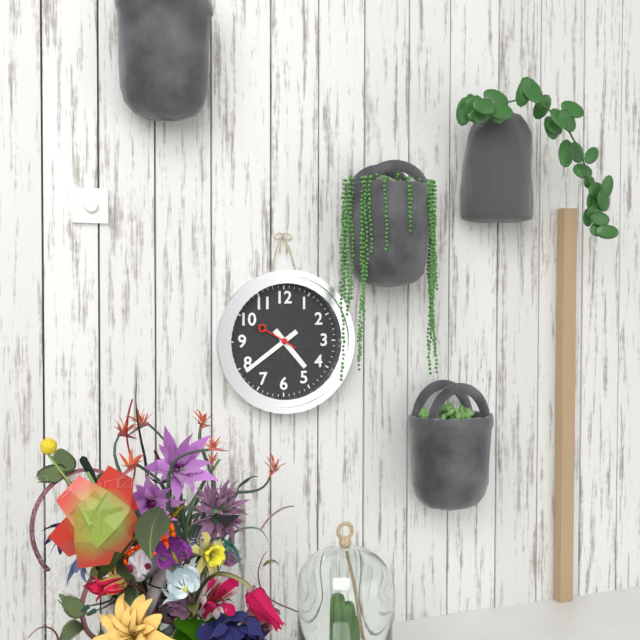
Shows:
4,39
